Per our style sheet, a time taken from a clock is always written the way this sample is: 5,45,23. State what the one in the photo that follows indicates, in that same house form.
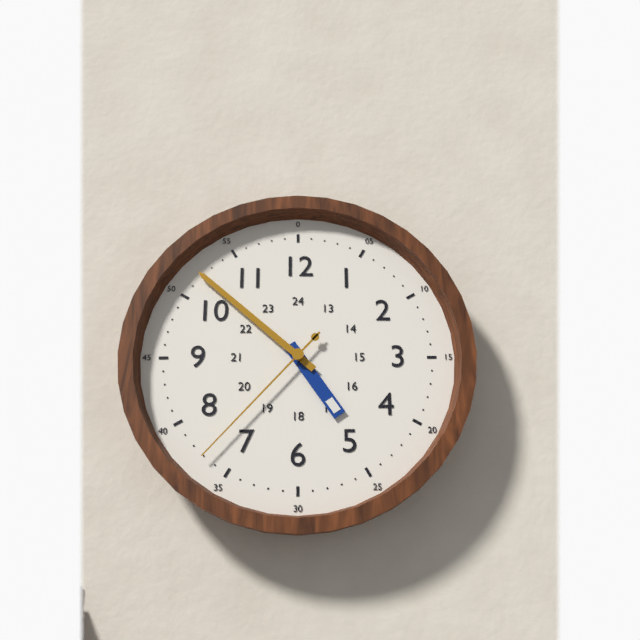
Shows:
4,52,37
